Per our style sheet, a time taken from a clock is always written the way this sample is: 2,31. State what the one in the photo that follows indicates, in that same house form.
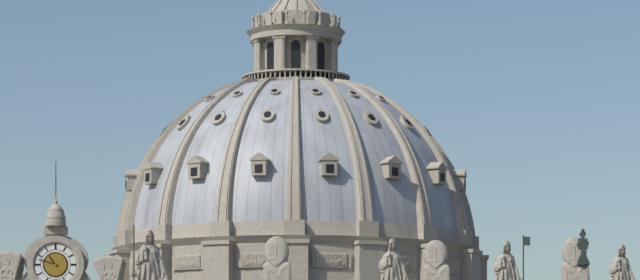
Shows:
10,48
